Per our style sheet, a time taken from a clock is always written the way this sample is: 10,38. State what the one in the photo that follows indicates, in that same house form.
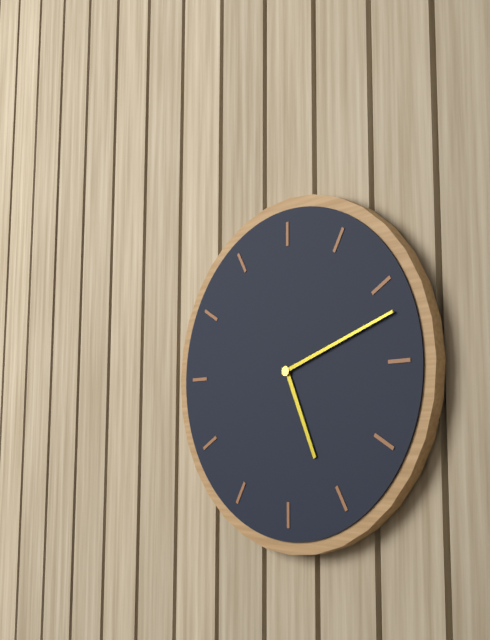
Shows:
5,12
